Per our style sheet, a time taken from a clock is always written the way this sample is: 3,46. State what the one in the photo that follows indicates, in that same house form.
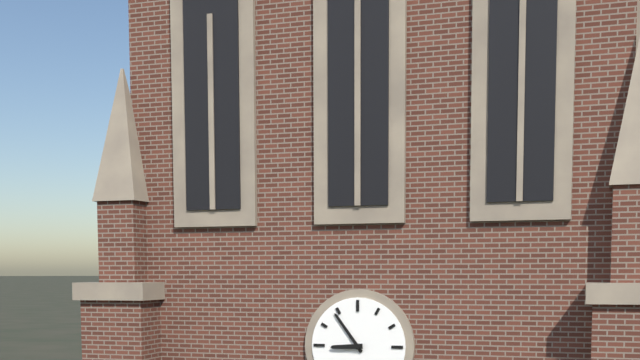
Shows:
8,54
